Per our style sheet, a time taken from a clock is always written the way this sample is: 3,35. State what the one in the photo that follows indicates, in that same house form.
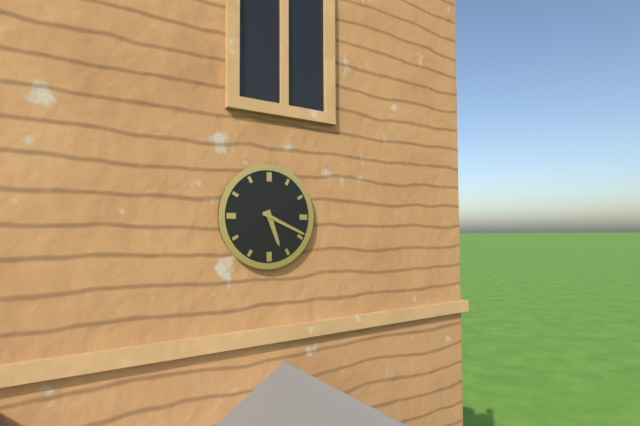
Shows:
5,19
